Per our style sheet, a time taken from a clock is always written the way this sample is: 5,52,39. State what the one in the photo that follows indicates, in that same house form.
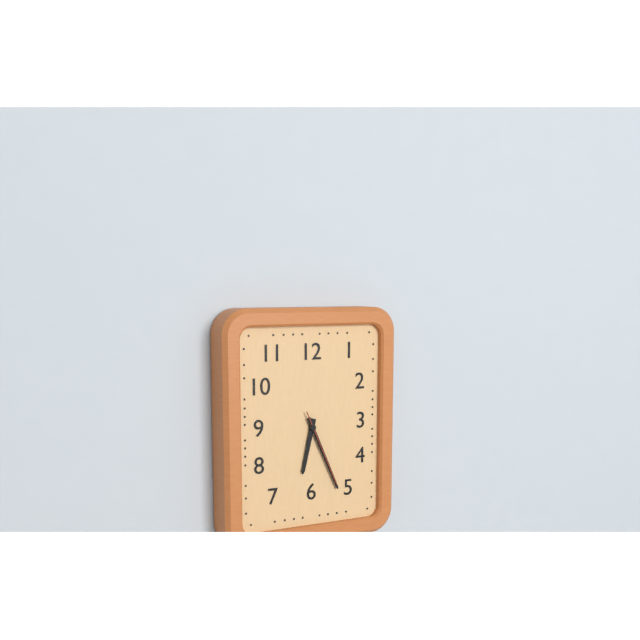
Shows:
6,26,26
